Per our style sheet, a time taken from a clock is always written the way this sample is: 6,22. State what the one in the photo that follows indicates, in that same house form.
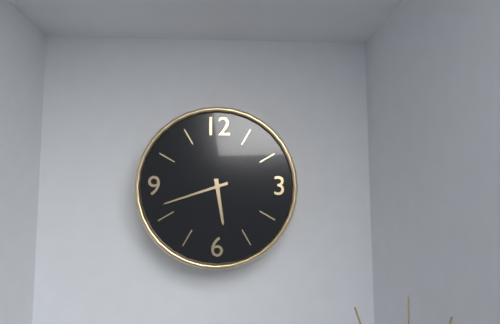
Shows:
5,42
